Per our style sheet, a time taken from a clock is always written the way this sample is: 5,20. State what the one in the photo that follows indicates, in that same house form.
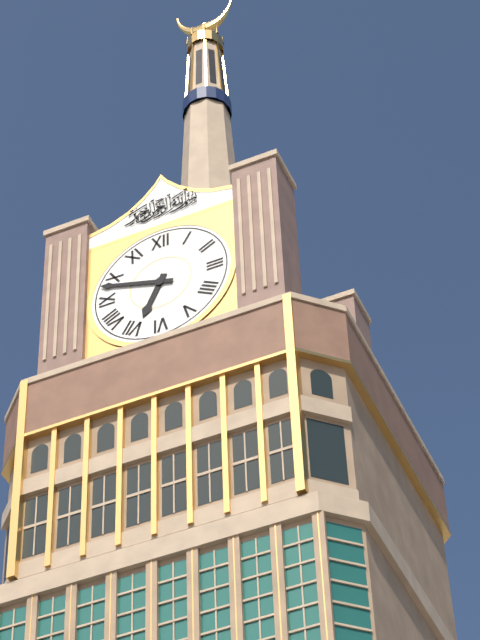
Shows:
6,48
